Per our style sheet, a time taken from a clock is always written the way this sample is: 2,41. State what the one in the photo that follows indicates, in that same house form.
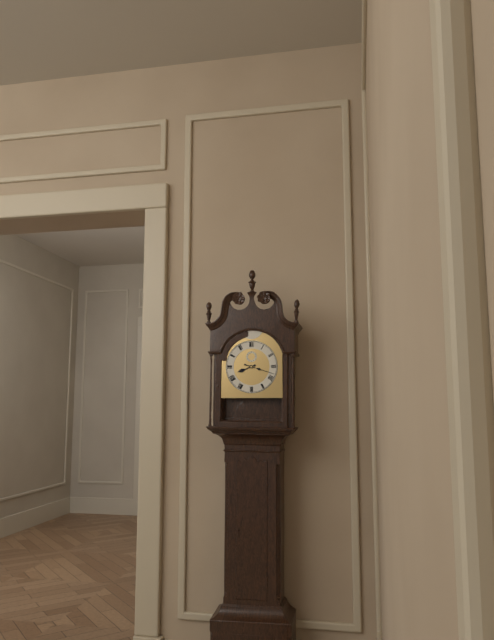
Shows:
8,18
